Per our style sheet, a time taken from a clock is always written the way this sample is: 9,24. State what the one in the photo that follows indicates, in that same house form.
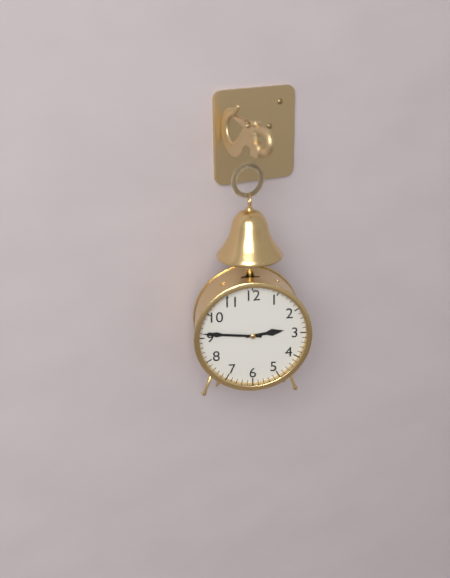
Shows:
2,46
